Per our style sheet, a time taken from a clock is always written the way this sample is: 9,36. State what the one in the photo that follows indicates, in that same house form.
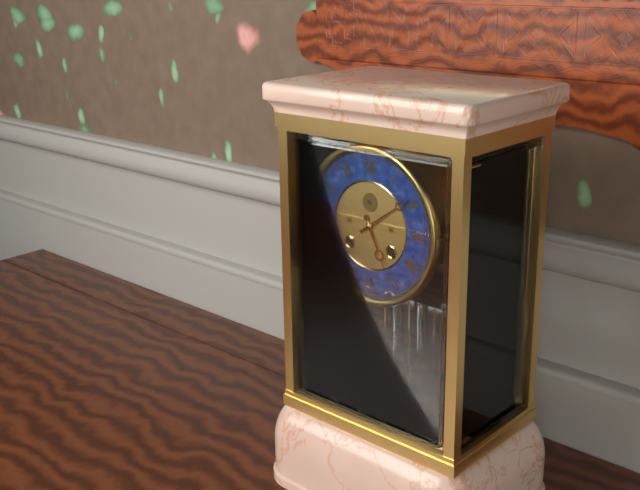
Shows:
5,09
